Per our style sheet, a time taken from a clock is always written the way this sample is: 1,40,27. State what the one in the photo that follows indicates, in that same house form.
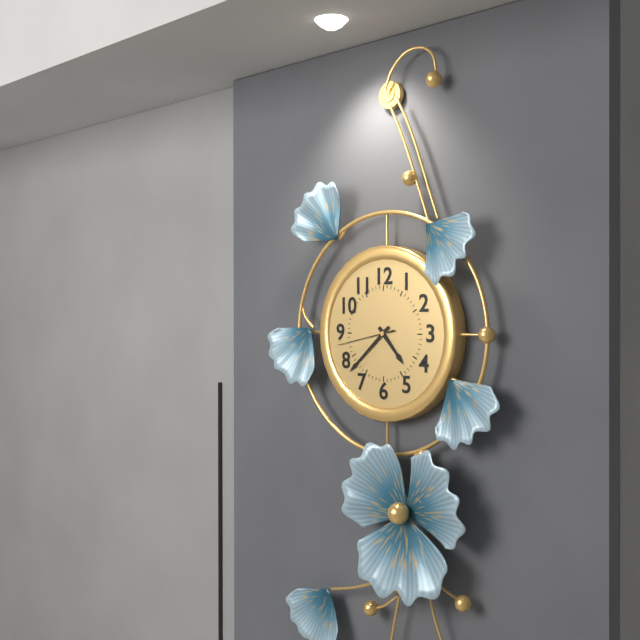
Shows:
4,38,43
